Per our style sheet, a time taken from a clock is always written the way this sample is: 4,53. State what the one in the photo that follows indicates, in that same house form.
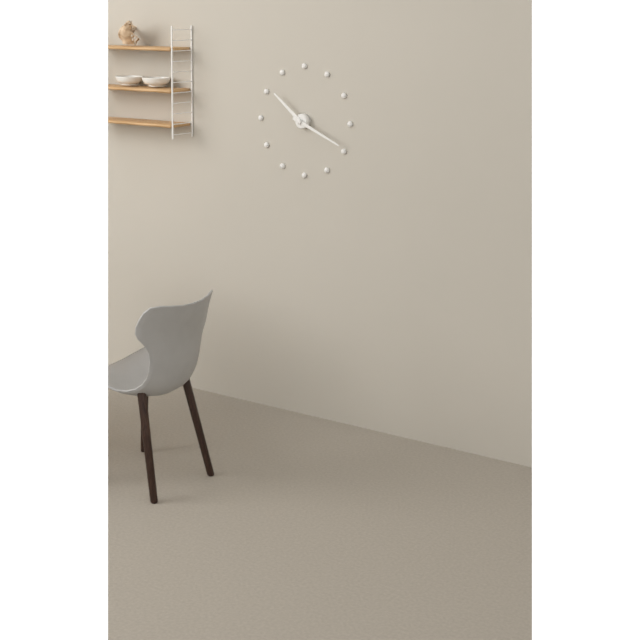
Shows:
10,19
